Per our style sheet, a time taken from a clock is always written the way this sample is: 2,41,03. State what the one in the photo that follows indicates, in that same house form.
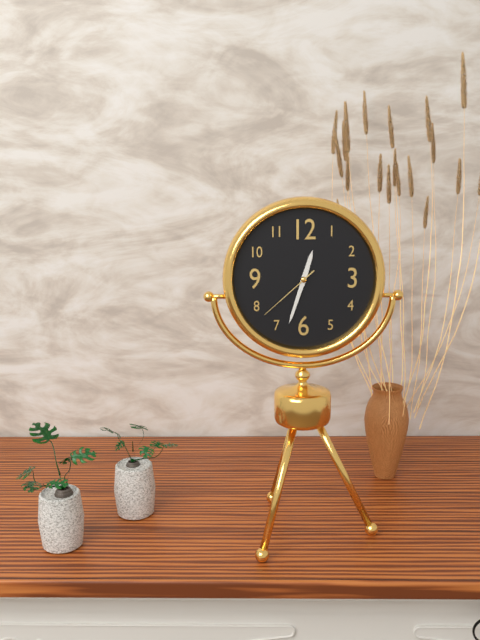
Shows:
12,33,38
